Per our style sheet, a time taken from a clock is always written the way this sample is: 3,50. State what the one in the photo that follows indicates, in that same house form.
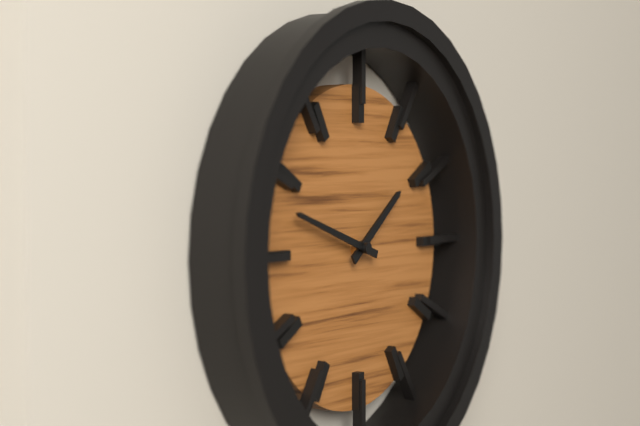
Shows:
1,48
